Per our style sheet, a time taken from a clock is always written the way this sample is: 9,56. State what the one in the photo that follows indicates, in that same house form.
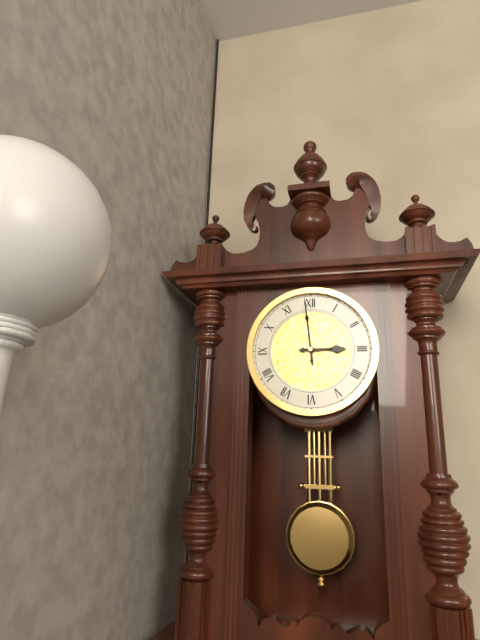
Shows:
2,59
